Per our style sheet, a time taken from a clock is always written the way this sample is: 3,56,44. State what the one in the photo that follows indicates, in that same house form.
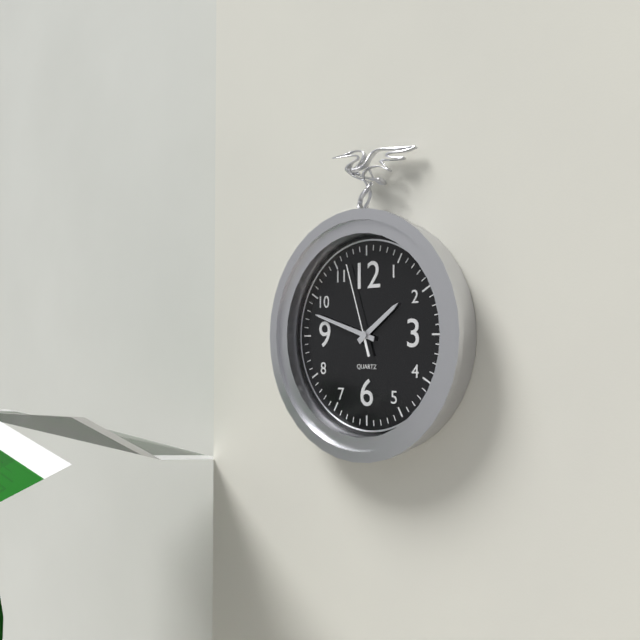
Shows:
1,48,57
